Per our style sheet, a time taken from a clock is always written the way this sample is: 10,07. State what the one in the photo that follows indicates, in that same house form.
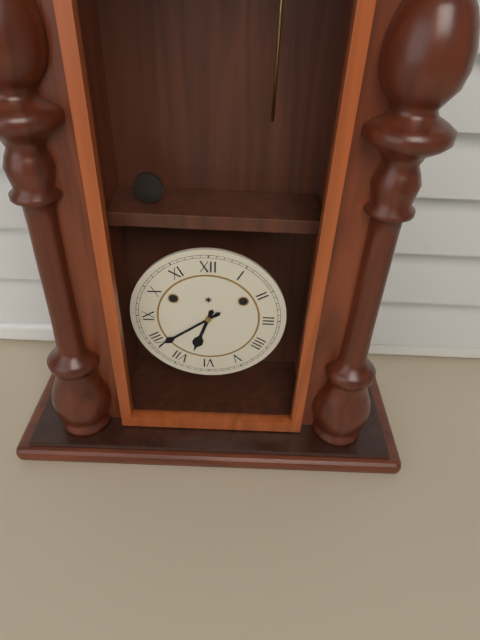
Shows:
6,39
